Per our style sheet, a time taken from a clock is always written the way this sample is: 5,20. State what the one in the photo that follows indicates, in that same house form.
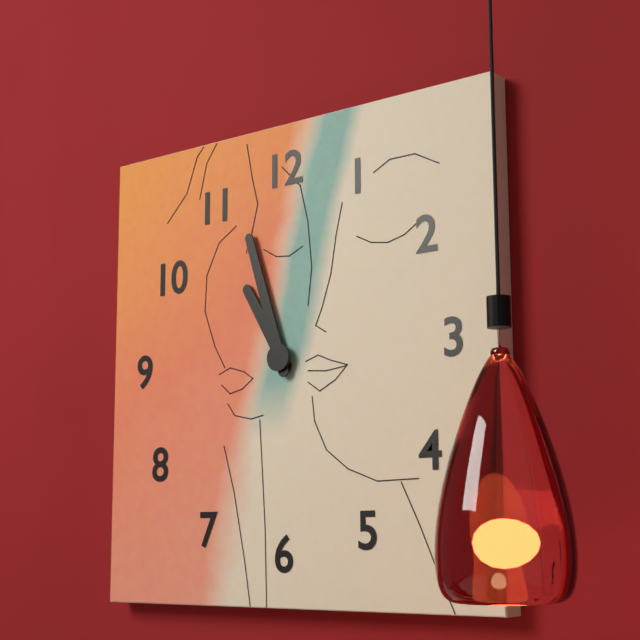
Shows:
10,57
